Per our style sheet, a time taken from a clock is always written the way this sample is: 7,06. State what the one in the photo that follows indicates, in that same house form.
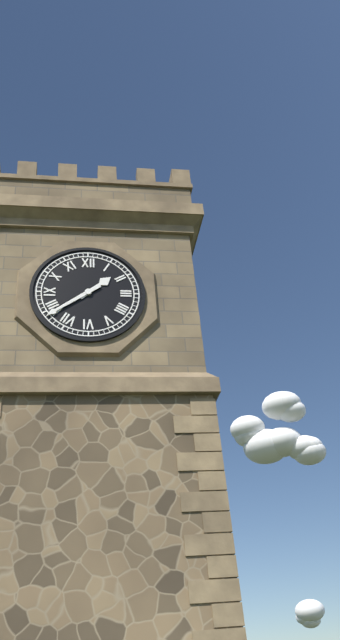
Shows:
1,39
